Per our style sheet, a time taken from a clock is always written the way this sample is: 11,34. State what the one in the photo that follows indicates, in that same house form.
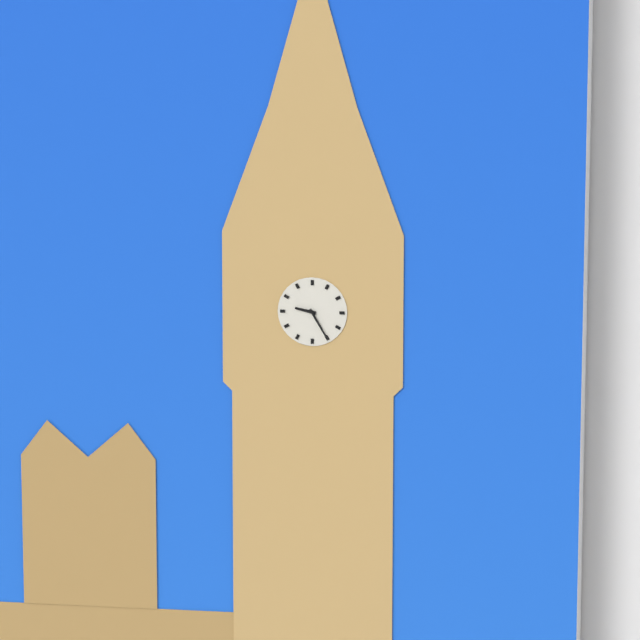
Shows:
9,25
